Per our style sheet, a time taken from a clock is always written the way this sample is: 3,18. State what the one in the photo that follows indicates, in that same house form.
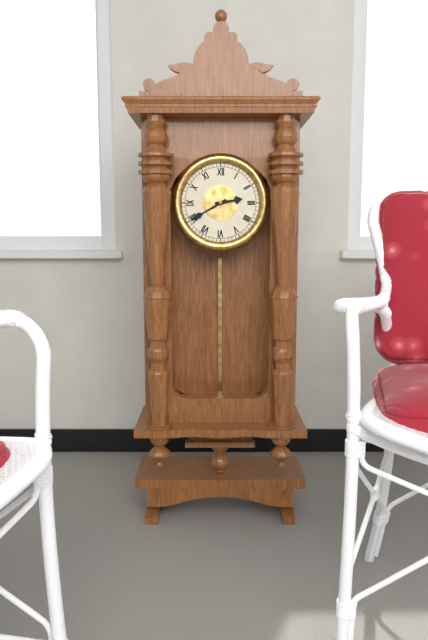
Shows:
2,40
